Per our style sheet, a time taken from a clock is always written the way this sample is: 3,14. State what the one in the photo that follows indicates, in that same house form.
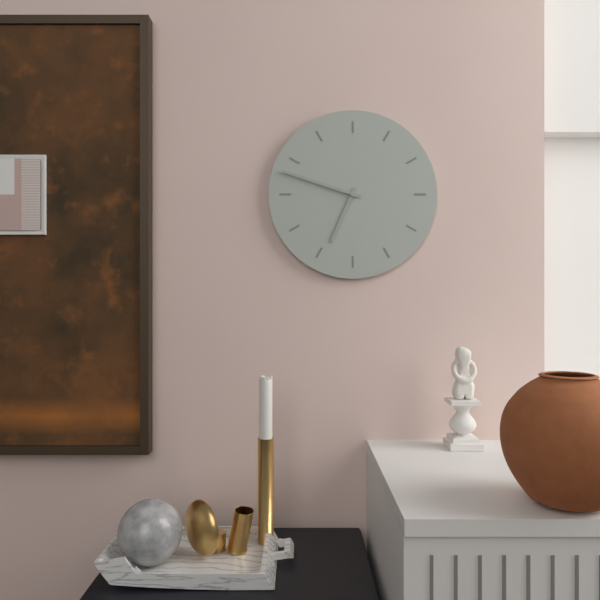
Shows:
6,48
